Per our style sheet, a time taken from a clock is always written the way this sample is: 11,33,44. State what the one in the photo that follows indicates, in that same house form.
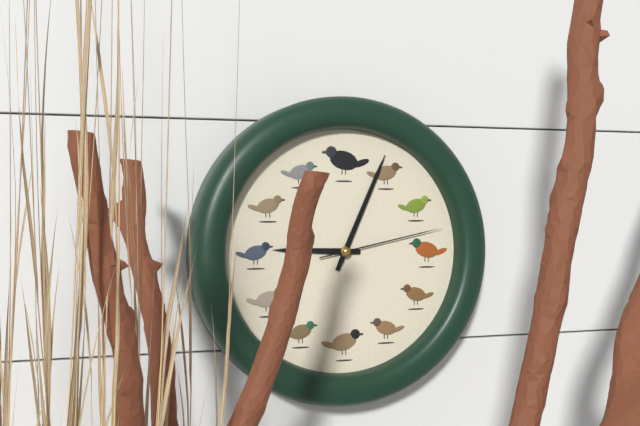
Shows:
9,04,13
